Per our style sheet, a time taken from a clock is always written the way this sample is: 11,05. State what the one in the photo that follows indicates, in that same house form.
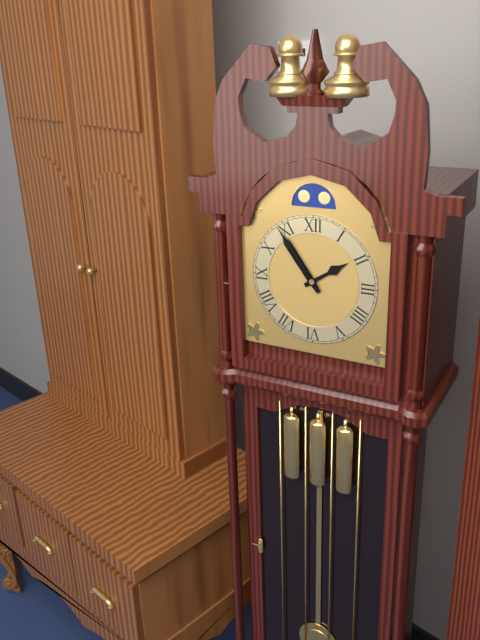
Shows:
1,54
